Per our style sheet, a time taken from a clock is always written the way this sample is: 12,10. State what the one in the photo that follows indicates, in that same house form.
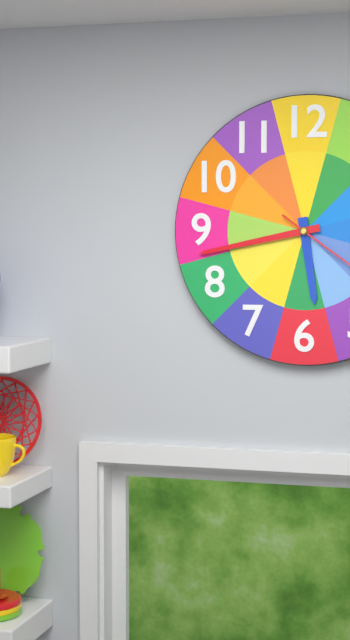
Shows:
5,43
